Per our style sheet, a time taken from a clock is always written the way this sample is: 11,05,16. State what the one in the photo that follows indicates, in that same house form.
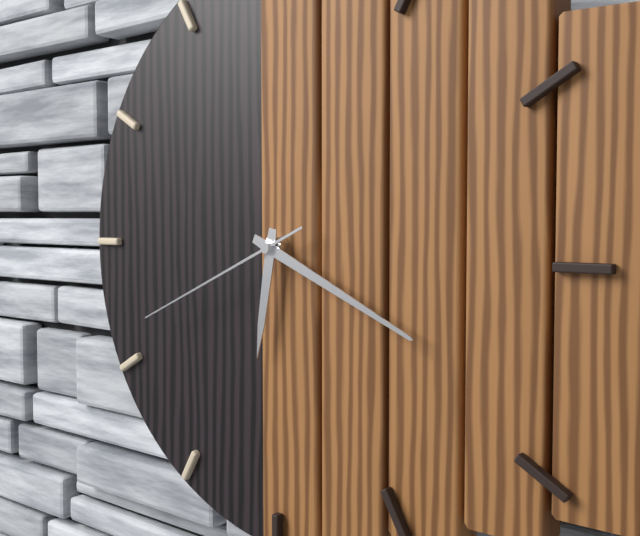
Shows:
6,19,41
